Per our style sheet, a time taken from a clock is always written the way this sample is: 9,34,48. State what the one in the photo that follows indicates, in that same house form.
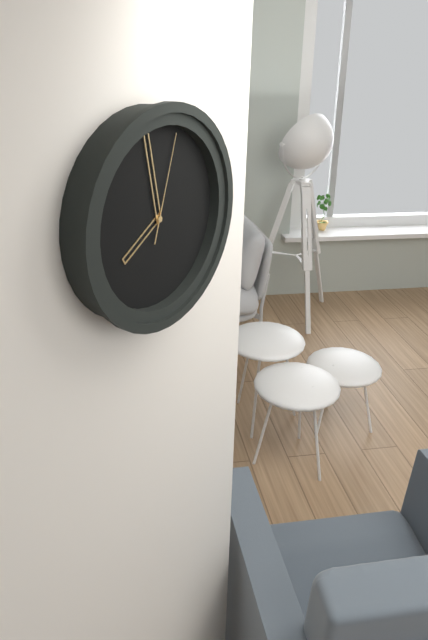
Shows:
7,58,03
